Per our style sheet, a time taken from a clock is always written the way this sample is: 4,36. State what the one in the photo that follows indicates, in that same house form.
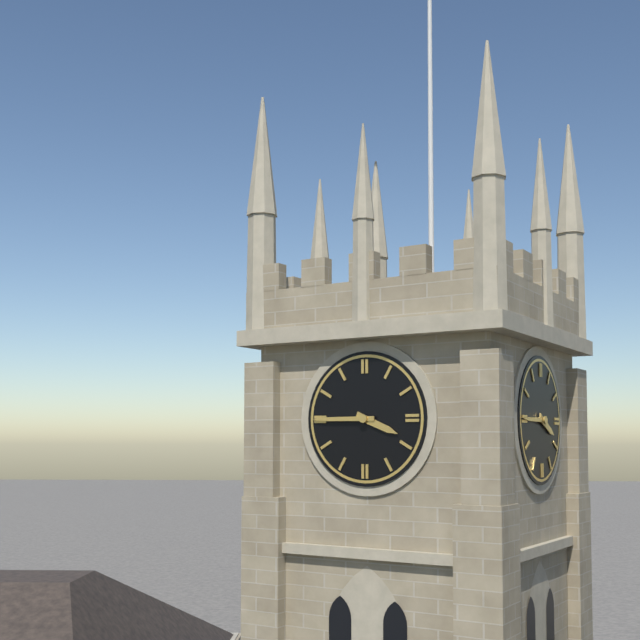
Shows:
3,45
